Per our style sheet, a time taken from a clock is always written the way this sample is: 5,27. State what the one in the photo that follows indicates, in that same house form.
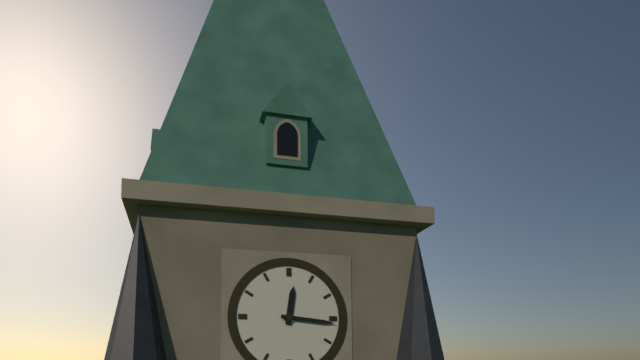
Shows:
12,16
